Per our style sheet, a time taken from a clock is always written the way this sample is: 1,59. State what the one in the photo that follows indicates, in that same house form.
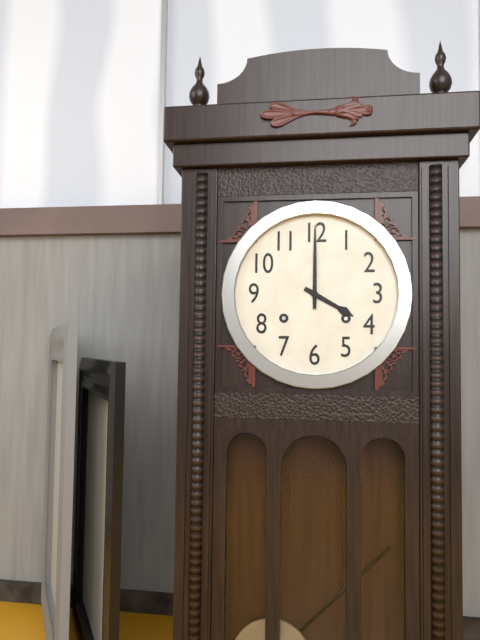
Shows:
4,00
